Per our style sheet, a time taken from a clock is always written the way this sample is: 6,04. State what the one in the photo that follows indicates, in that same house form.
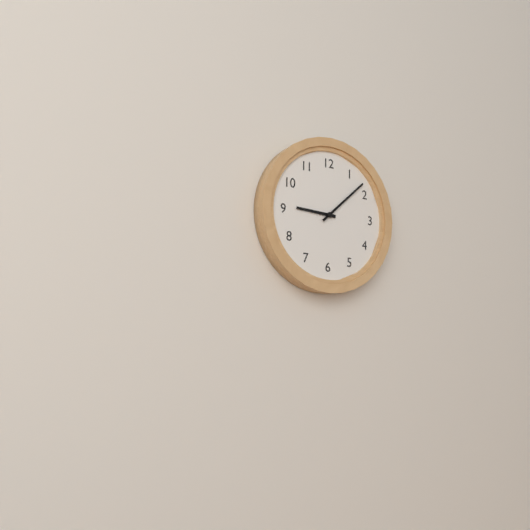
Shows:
9,08
